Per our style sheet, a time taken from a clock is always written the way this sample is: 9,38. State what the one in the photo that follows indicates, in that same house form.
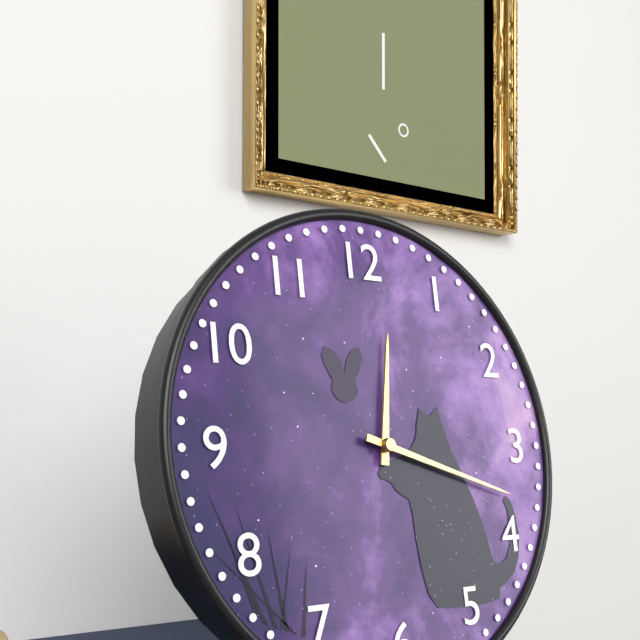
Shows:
12,18
